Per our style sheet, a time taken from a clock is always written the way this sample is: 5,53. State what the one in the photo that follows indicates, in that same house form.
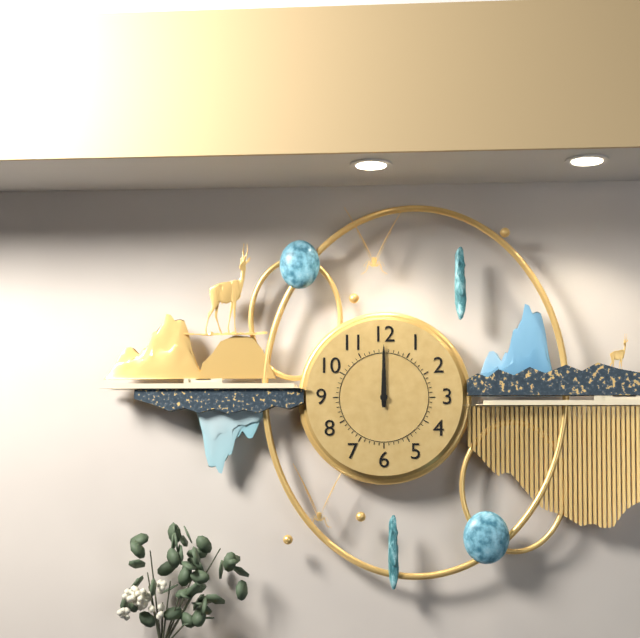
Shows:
12,00
